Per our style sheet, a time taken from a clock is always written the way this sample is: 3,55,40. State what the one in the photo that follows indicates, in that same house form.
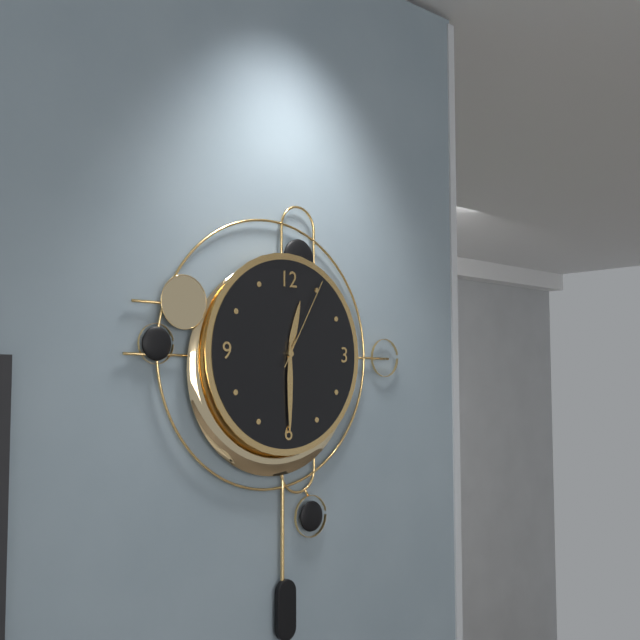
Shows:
12,30,05
